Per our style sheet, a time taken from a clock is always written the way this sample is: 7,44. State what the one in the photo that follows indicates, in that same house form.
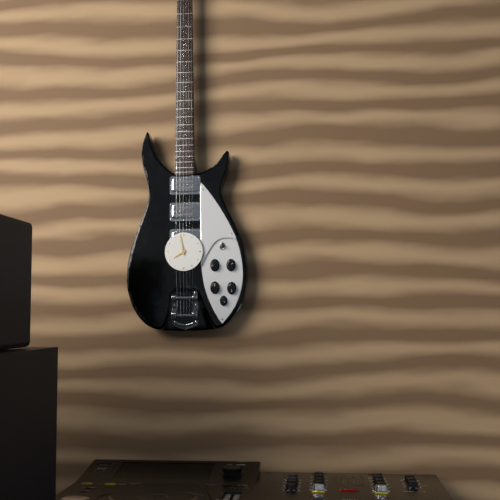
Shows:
7,58
